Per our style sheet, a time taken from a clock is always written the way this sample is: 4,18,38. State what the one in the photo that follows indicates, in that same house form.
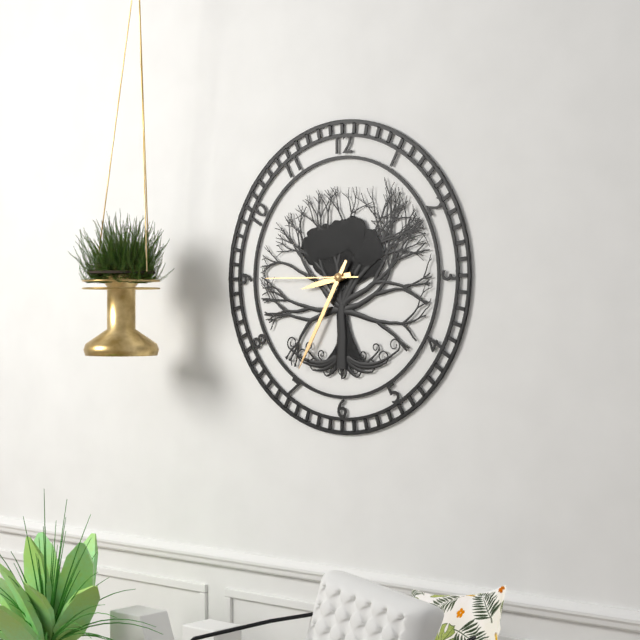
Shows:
8,35,45
